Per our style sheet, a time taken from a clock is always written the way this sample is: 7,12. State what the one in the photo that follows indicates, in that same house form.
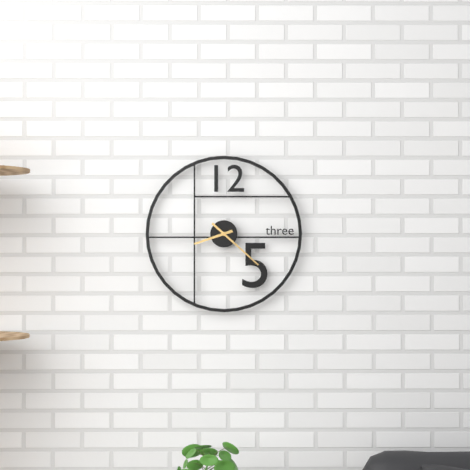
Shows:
8,22
